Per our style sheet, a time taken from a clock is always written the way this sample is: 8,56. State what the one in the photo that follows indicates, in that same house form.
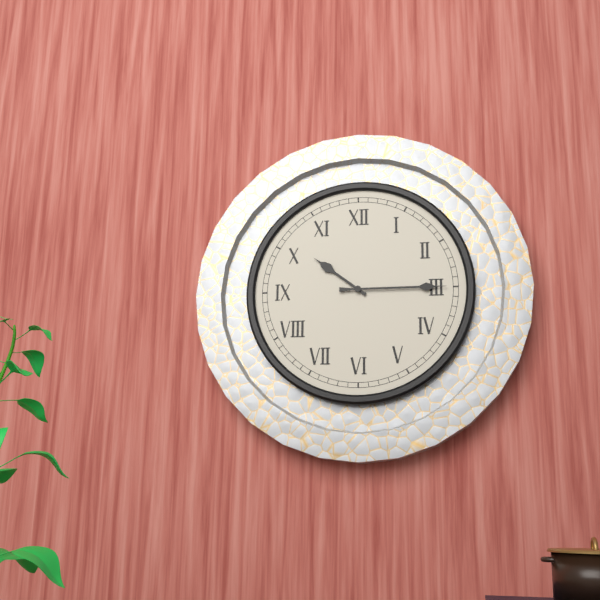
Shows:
10,15
